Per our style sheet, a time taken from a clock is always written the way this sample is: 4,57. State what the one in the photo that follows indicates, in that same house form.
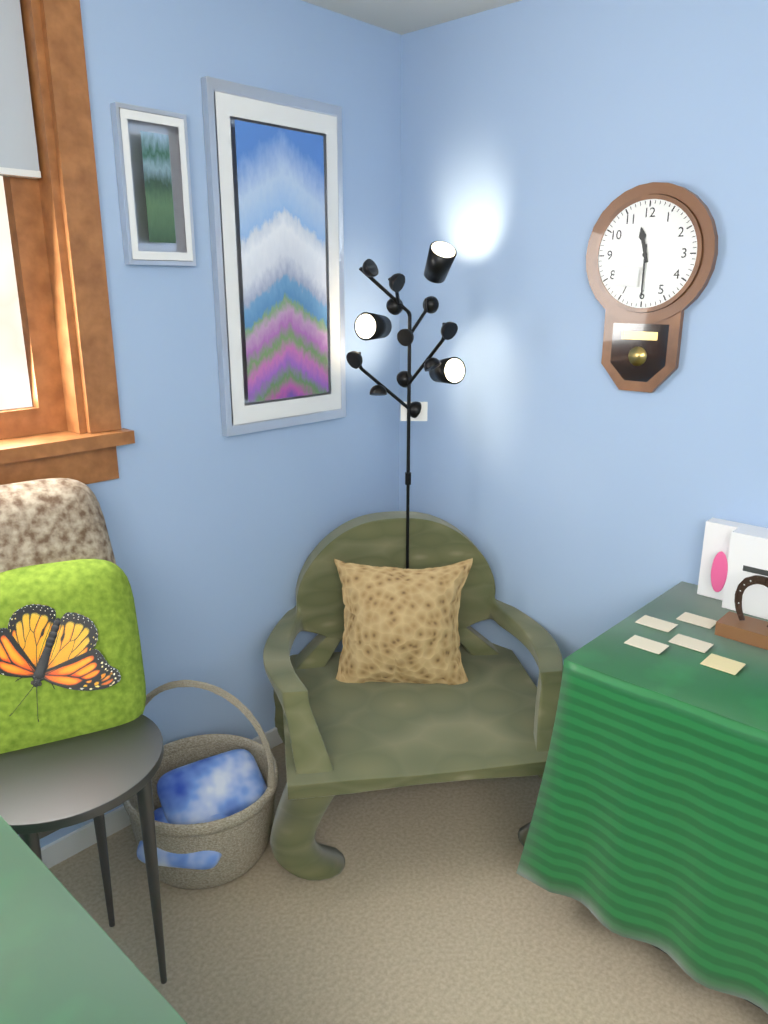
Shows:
11,30
